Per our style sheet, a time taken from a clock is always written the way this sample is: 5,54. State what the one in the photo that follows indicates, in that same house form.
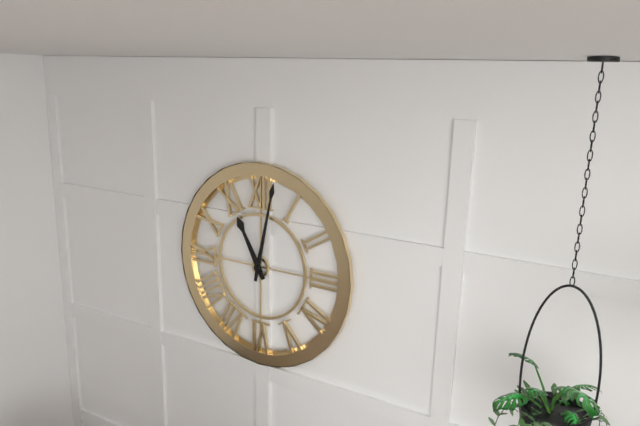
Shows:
11,02
